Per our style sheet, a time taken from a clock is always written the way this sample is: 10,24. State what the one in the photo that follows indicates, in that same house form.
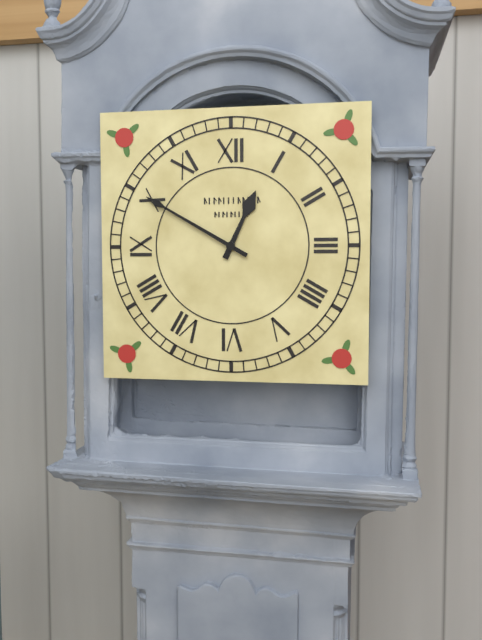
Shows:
12,50
